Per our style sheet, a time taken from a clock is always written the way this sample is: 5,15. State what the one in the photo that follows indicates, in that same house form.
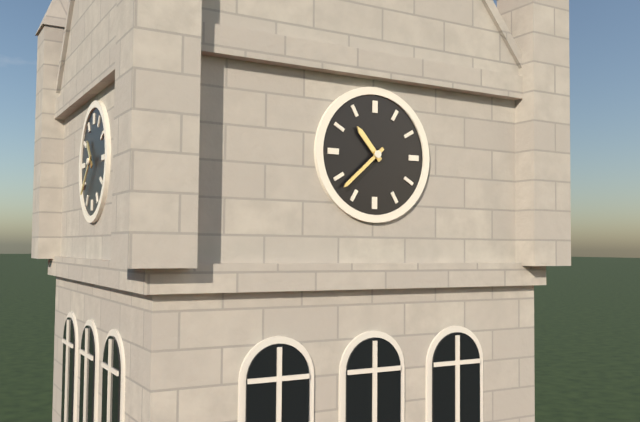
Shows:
10,38
